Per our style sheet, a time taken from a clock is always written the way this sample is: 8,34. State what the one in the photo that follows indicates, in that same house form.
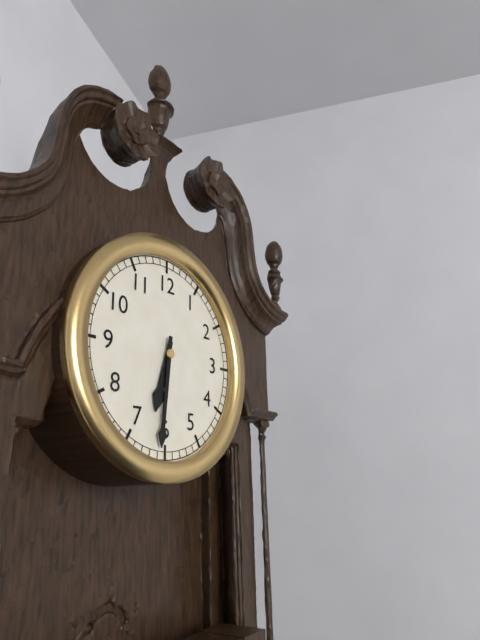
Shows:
6,31
